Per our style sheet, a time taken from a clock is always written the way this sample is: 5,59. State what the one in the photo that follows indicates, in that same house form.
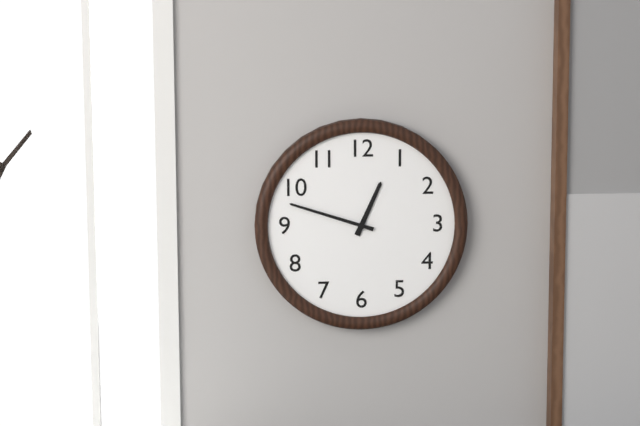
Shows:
12,48
